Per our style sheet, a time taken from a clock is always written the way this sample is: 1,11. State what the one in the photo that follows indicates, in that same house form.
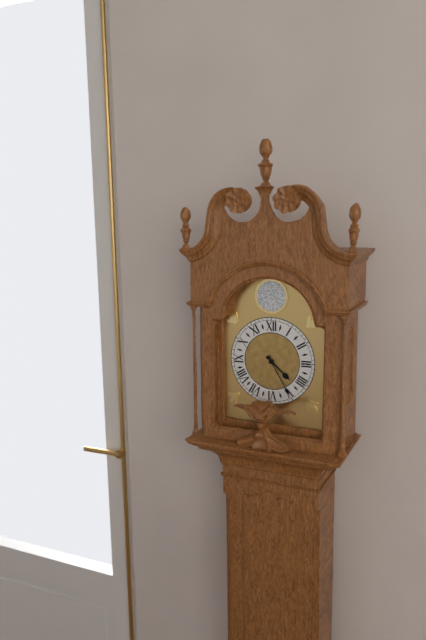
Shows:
4,25
